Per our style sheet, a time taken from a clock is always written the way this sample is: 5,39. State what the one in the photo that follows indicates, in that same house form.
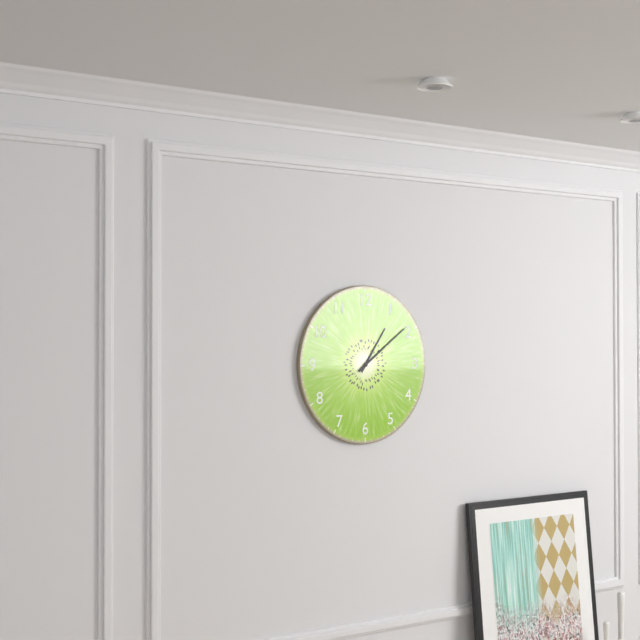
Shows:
1,09
